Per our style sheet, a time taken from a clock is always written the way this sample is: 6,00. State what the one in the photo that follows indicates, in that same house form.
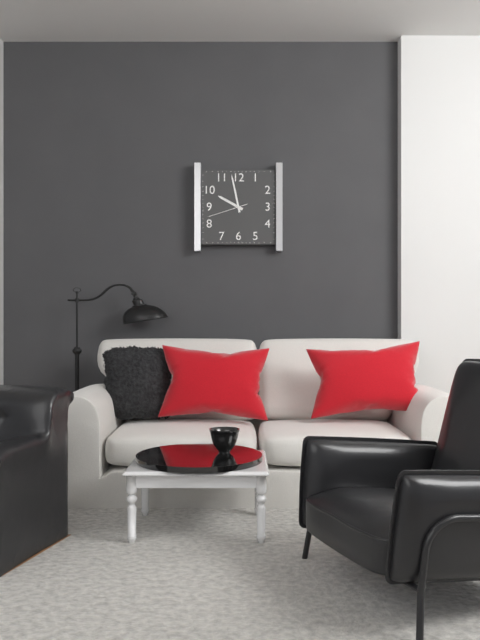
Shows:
9,58
